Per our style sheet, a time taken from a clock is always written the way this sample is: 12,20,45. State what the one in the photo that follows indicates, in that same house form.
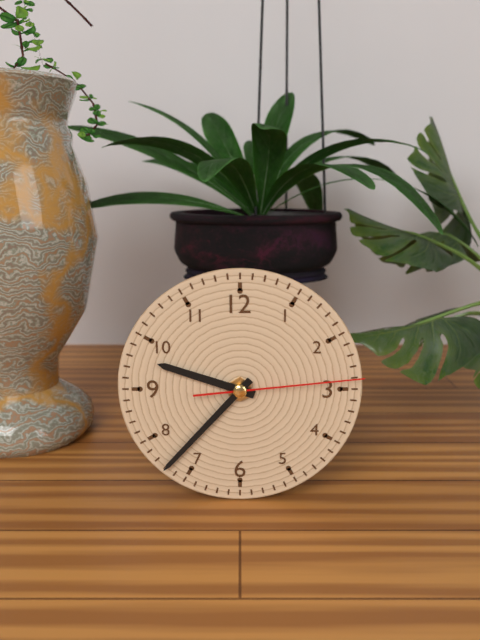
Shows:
9,37,14
